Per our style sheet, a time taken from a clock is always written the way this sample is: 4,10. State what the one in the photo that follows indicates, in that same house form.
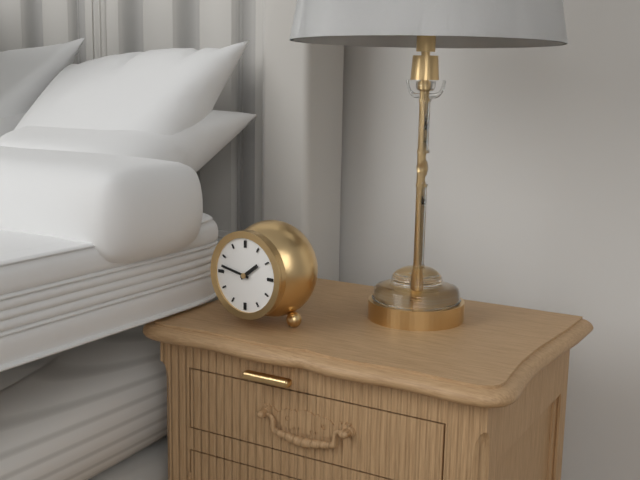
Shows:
1,47
